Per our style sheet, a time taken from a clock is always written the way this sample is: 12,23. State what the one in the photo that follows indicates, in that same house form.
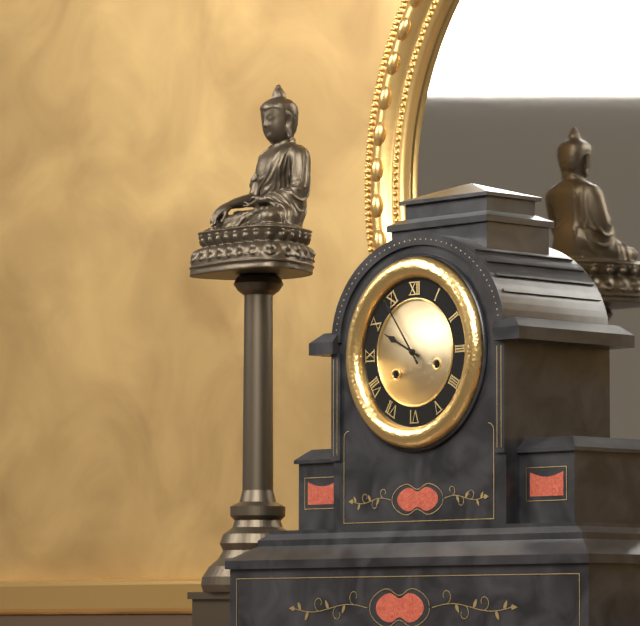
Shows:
9,54
